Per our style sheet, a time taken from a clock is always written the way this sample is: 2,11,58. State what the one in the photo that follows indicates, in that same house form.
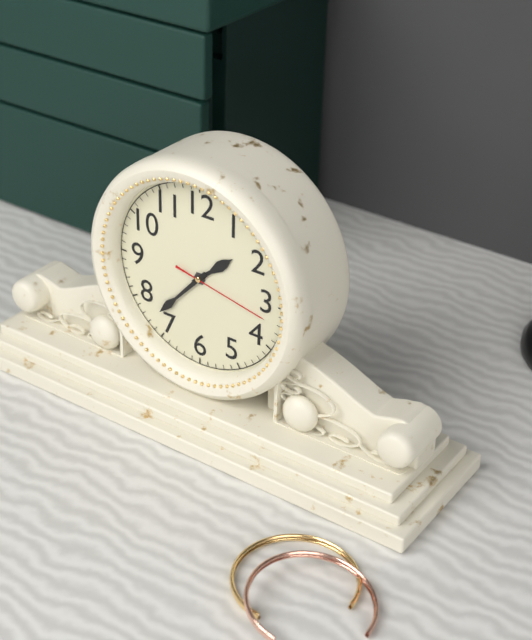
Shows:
1,37,17
